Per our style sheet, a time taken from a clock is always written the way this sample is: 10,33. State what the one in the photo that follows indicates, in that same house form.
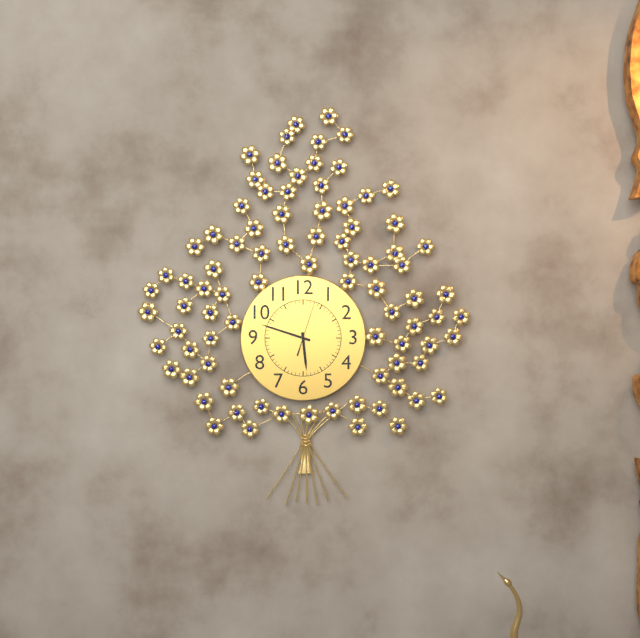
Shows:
5,48
